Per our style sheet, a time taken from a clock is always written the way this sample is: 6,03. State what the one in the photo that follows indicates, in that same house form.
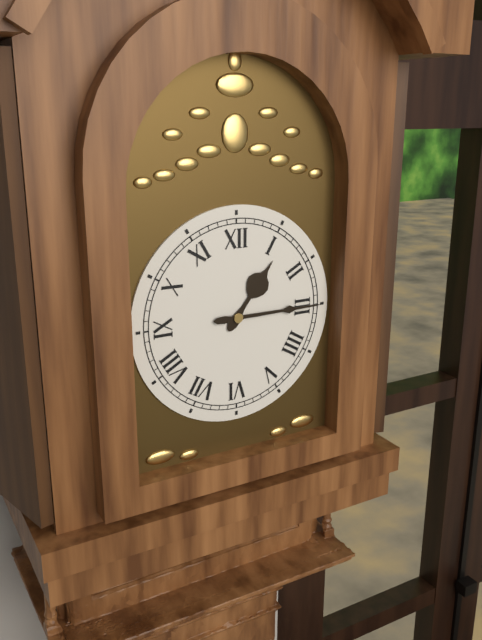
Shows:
1,15
